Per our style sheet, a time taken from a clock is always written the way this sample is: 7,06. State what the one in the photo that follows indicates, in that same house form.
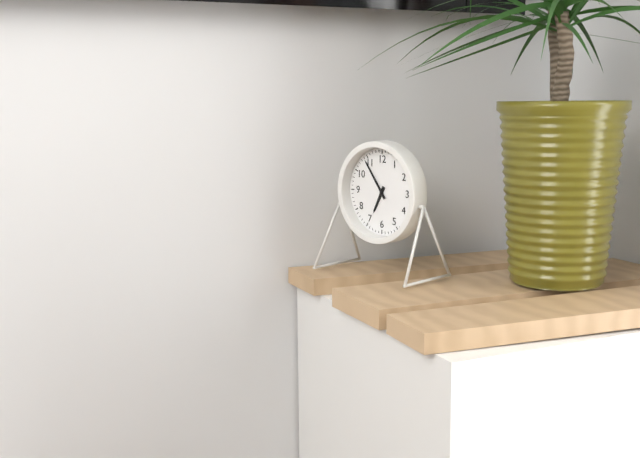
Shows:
6,54
